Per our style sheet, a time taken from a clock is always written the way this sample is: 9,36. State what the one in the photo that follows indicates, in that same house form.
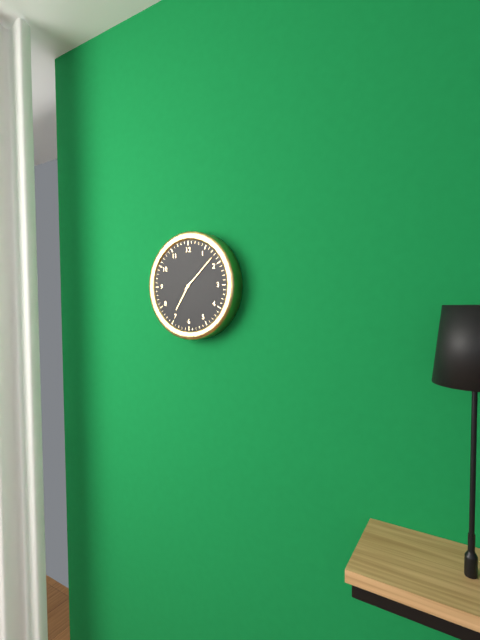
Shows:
7,08
